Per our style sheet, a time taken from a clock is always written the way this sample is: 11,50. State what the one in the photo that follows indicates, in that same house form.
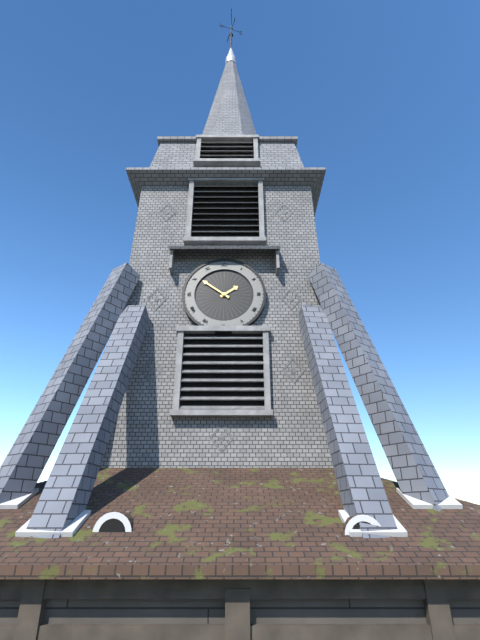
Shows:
1,51
